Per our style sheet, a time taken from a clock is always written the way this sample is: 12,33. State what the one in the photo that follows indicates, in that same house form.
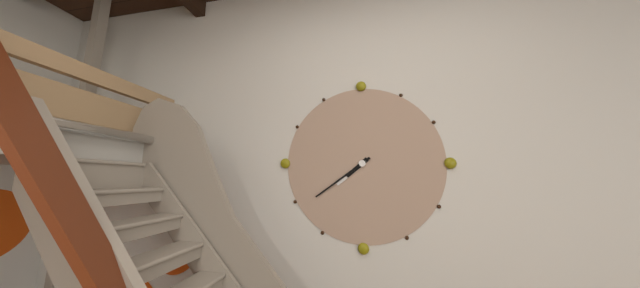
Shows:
7,39
